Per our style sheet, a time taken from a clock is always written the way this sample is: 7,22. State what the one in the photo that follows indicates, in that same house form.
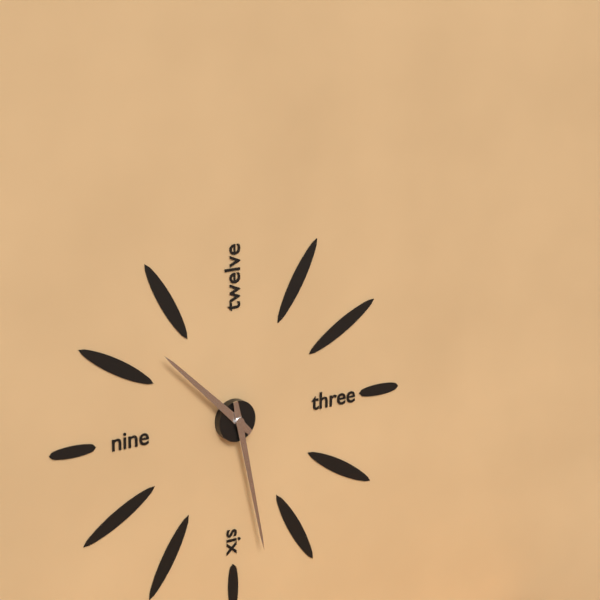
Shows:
10,28
